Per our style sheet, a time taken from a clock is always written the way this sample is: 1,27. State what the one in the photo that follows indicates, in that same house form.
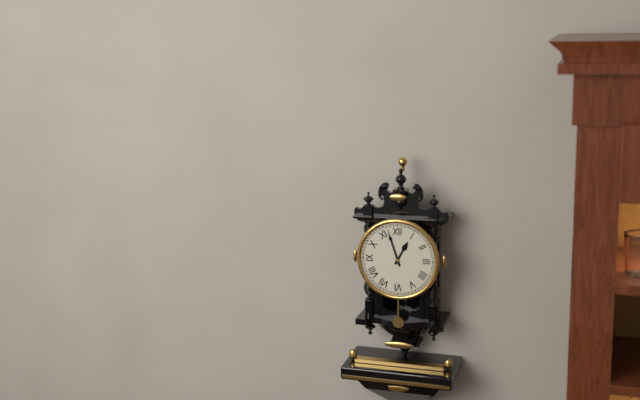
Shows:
12,57
